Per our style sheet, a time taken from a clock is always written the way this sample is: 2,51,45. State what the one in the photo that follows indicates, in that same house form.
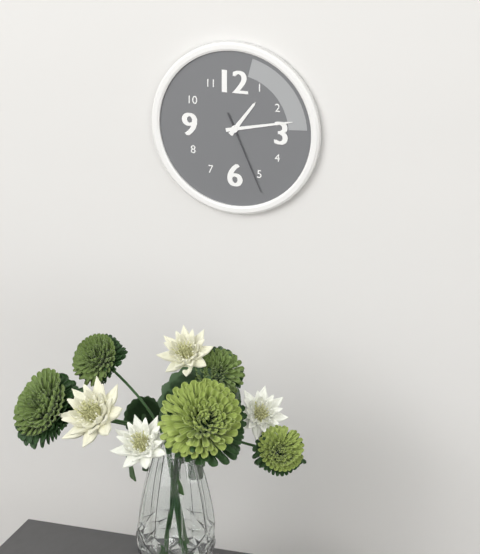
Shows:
1,13,26
